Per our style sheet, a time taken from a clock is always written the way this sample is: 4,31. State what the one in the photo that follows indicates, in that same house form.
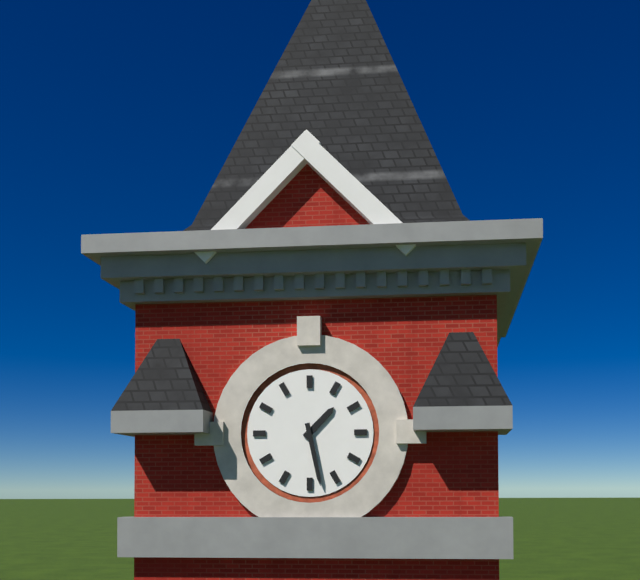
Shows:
1,28
